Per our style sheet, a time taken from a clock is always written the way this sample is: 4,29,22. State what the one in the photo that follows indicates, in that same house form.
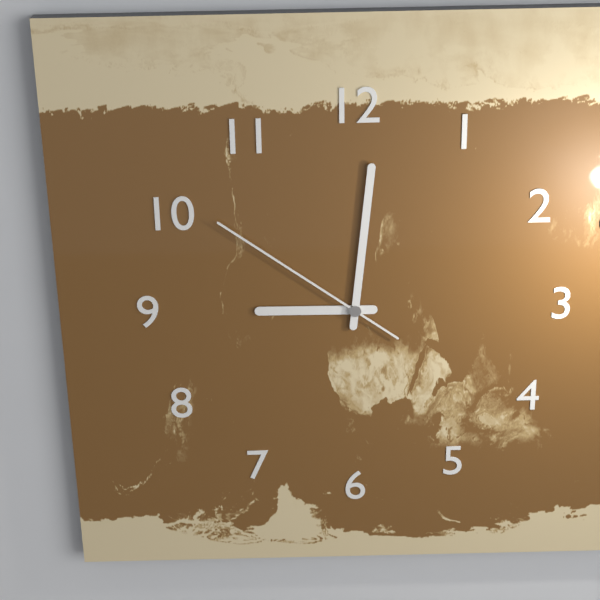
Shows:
9,01,51
